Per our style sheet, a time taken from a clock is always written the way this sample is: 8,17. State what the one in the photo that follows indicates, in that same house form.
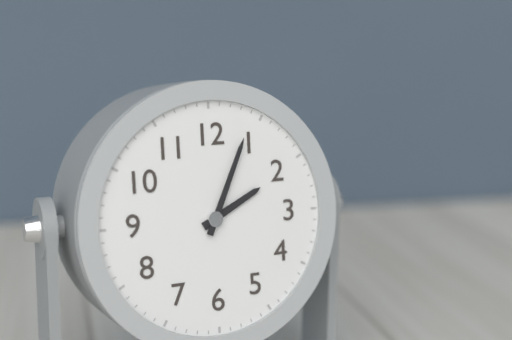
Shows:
2,04
